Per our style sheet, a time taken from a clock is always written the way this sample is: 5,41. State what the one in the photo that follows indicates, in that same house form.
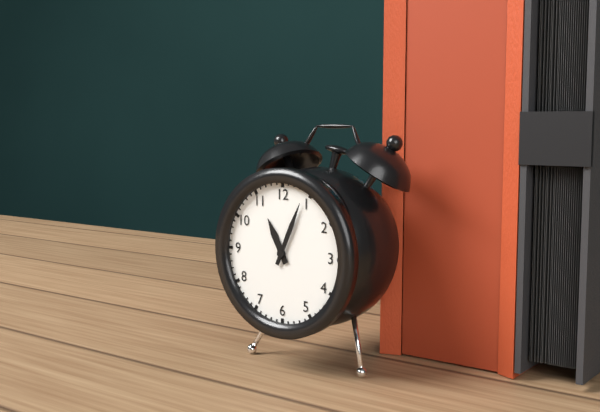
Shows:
11,04
